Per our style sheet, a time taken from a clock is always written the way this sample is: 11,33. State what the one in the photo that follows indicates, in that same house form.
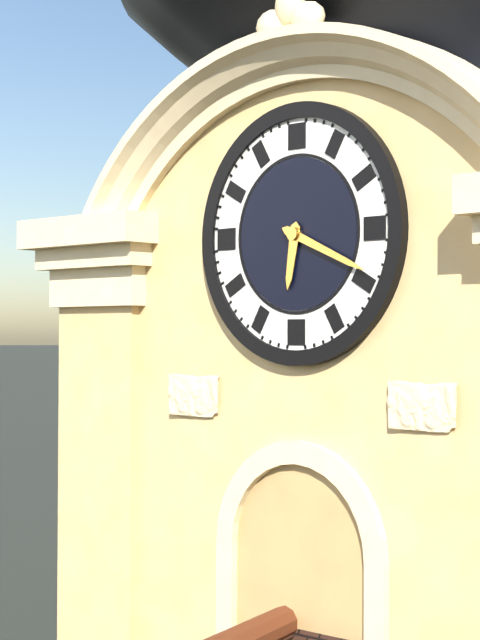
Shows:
6,19
